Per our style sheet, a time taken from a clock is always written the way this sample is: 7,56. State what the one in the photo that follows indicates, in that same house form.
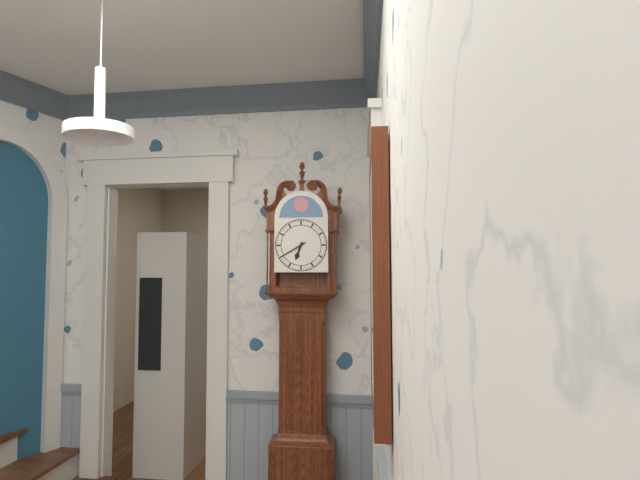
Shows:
6,40
